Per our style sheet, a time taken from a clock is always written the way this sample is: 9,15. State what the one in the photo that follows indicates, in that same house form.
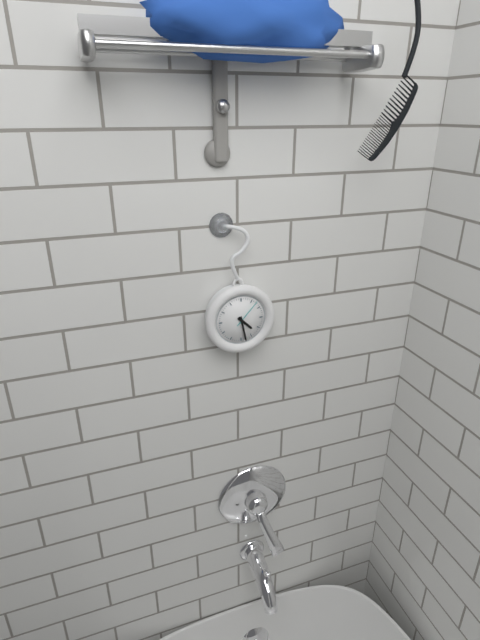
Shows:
4,28
